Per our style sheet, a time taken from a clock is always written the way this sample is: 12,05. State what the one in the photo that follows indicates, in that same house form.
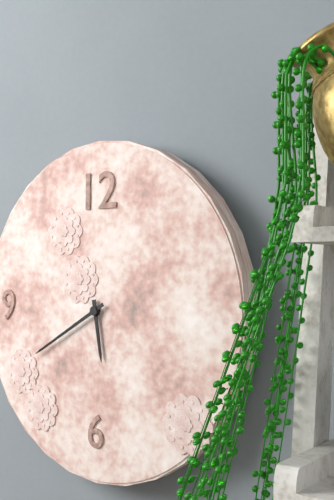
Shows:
5,40
